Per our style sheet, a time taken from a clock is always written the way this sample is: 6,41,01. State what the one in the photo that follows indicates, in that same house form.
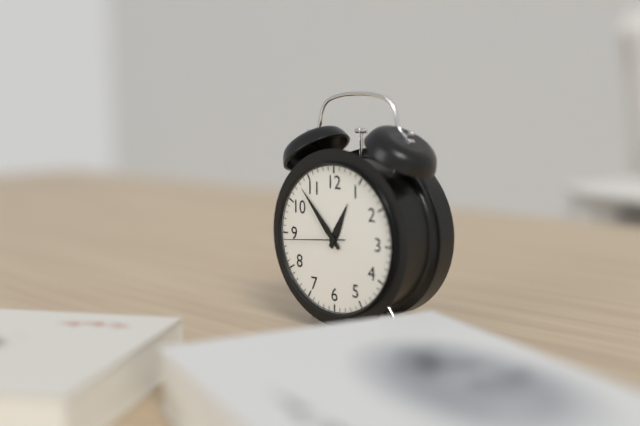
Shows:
12,53,44
